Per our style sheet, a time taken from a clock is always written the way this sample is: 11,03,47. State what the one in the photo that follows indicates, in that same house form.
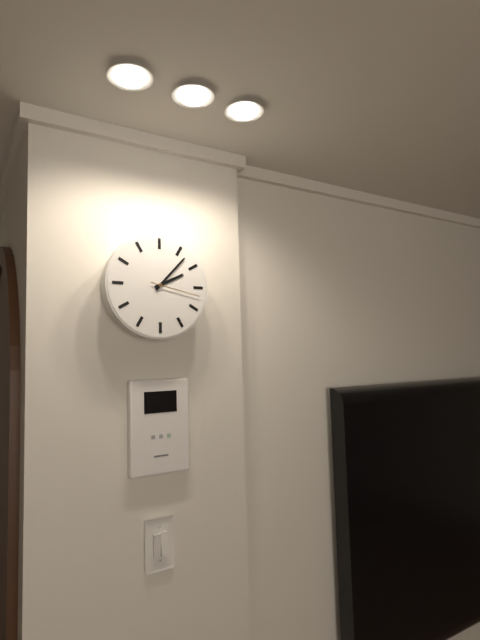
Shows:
2,07,17
